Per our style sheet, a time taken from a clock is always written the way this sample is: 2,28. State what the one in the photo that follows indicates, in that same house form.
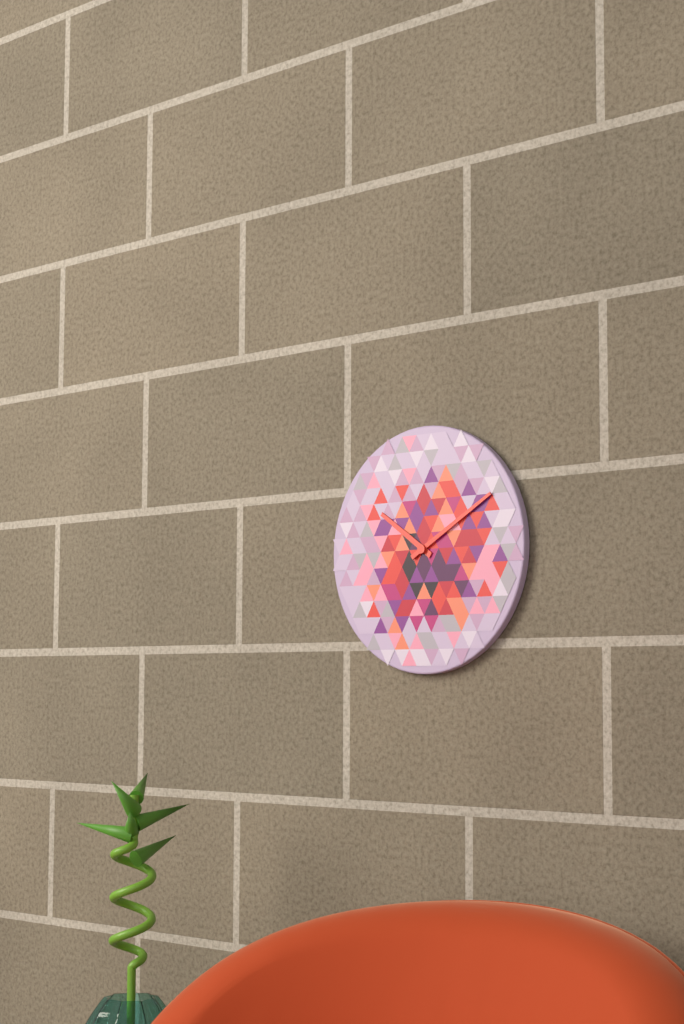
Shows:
10,10
